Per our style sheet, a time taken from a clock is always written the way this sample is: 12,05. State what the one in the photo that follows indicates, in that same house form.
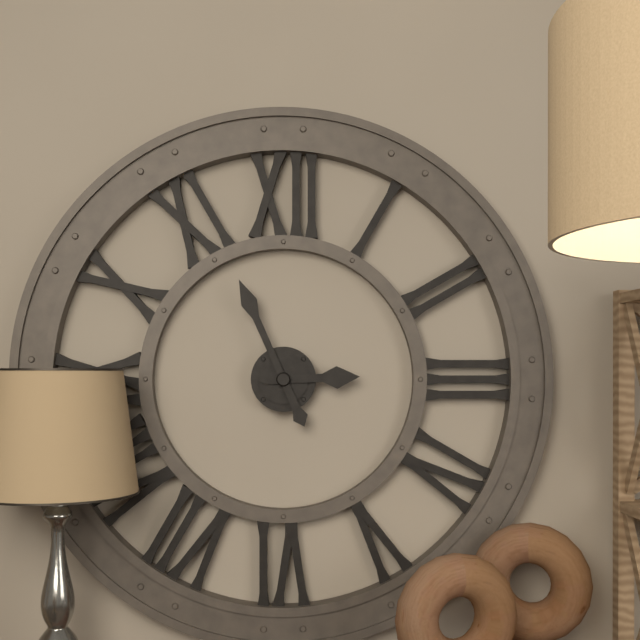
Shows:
2,56
